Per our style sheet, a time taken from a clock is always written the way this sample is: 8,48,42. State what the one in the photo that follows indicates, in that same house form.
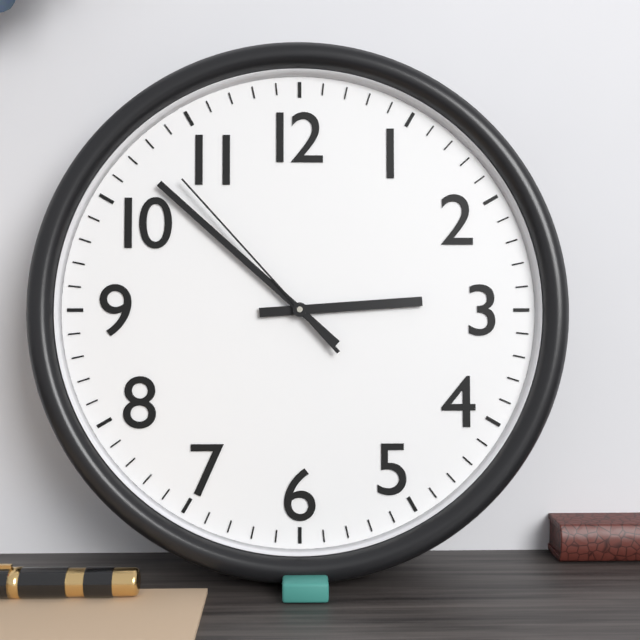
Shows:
2,52,53
